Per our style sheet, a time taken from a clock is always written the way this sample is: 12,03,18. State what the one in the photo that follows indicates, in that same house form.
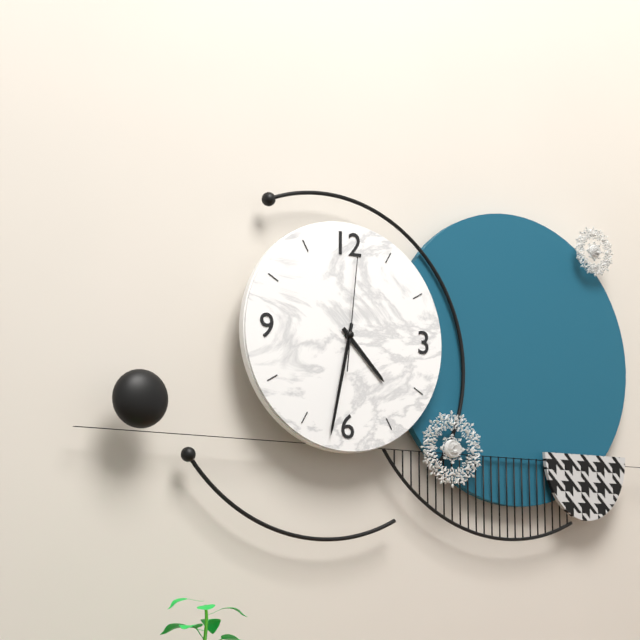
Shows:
4,32,01
